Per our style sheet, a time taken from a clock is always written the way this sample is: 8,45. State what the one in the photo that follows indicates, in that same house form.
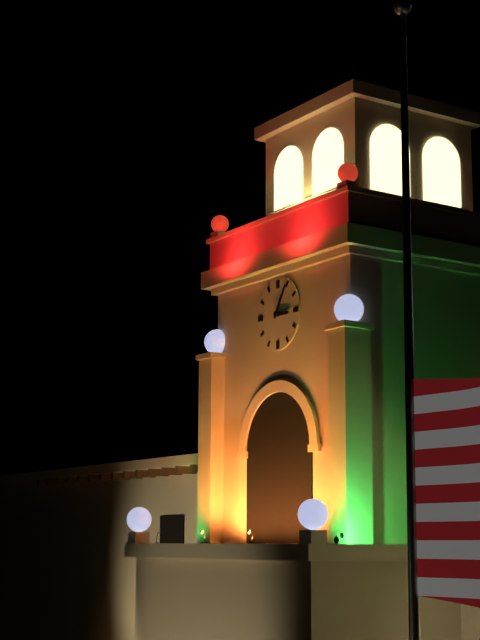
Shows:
3,05
